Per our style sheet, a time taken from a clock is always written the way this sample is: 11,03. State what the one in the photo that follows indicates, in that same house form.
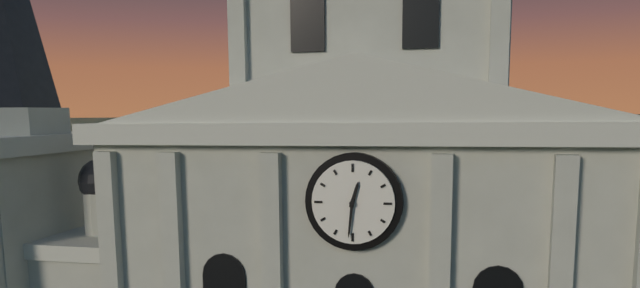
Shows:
12,31
